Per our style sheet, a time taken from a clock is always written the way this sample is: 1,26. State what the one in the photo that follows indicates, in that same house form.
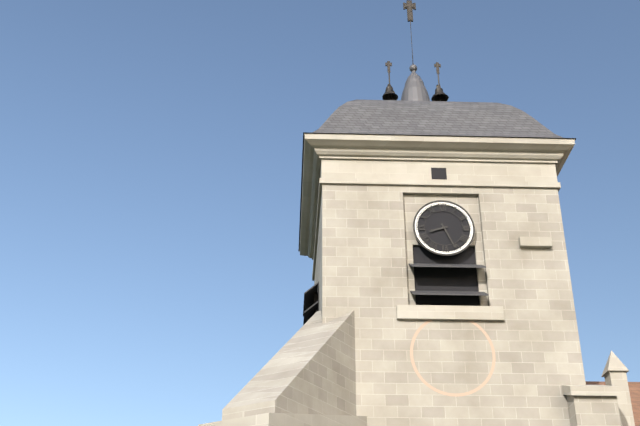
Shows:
8,26
